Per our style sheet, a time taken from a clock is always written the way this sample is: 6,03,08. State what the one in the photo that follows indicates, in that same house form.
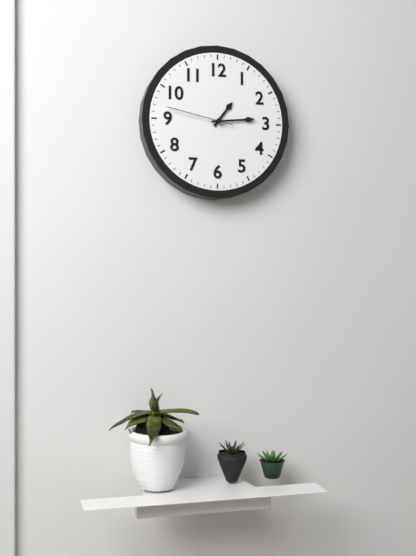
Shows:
1,14,47
